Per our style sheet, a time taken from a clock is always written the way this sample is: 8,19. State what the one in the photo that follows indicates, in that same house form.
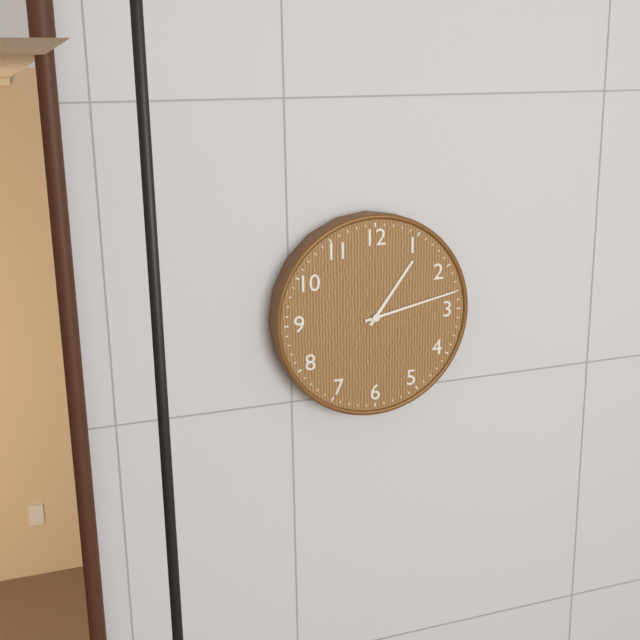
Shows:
1,13
